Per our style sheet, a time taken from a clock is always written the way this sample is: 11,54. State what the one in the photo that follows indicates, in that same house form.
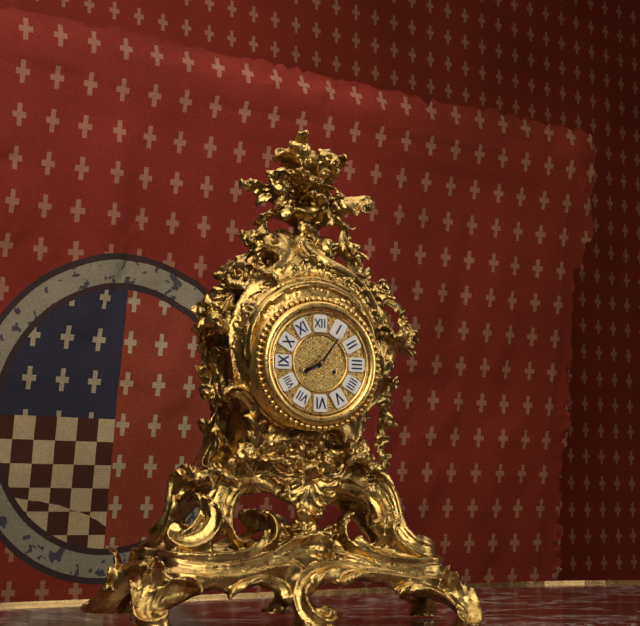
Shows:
8,06
